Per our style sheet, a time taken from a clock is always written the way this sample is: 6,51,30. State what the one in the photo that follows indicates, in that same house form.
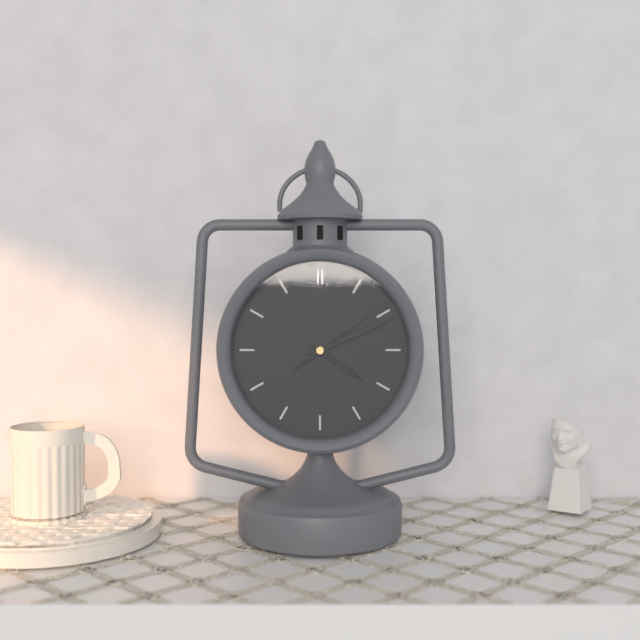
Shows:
4,11,09
